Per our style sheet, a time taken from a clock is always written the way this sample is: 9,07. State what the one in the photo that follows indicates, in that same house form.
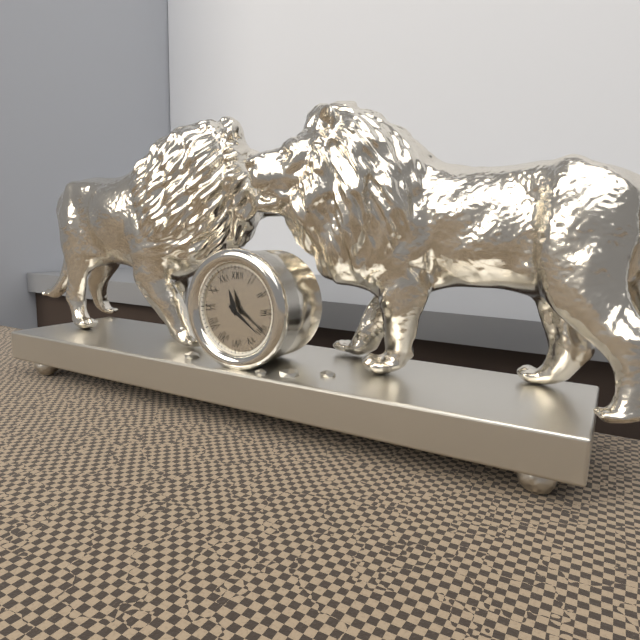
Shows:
11,21
